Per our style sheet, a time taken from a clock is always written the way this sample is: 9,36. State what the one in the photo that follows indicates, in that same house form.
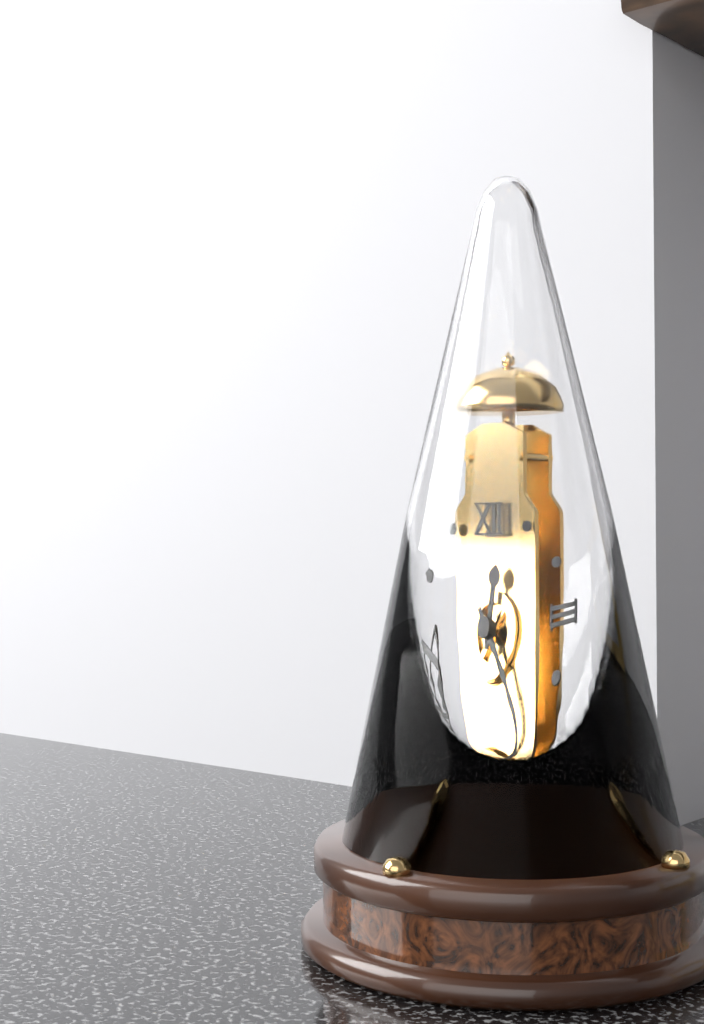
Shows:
12,25
